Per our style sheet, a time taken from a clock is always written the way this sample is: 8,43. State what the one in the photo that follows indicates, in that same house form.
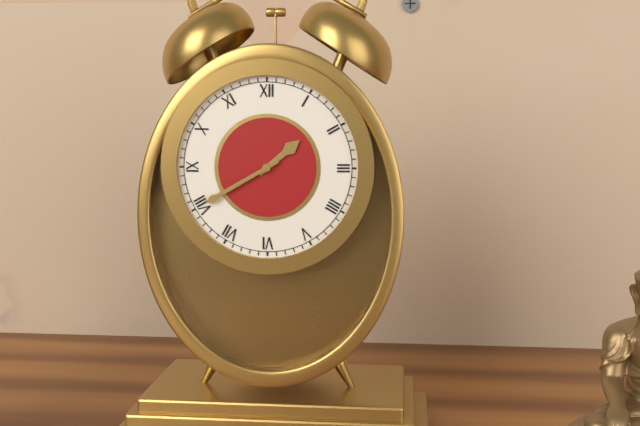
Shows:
1,40
